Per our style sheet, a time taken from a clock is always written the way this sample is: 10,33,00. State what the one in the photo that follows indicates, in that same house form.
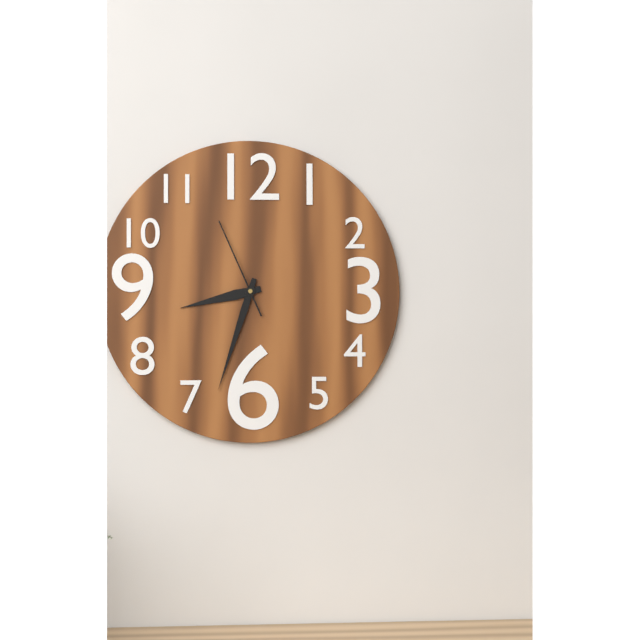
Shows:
8,33,56
